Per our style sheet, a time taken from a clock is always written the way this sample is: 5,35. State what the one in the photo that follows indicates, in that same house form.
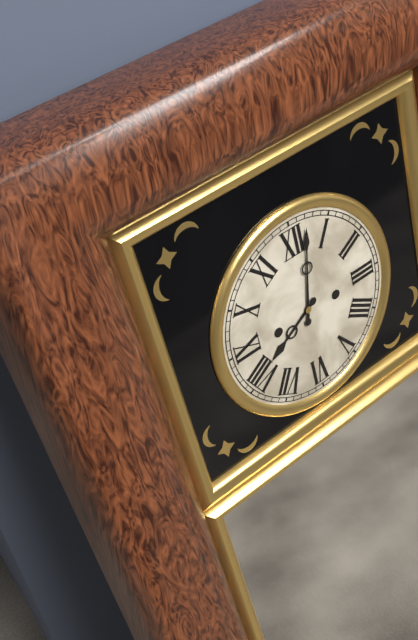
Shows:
8,02
